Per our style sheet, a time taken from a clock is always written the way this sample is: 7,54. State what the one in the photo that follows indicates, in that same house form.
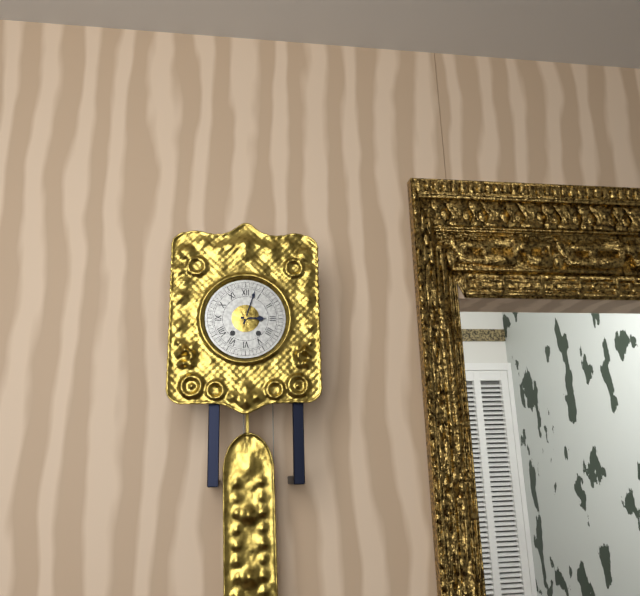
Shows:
3,03
